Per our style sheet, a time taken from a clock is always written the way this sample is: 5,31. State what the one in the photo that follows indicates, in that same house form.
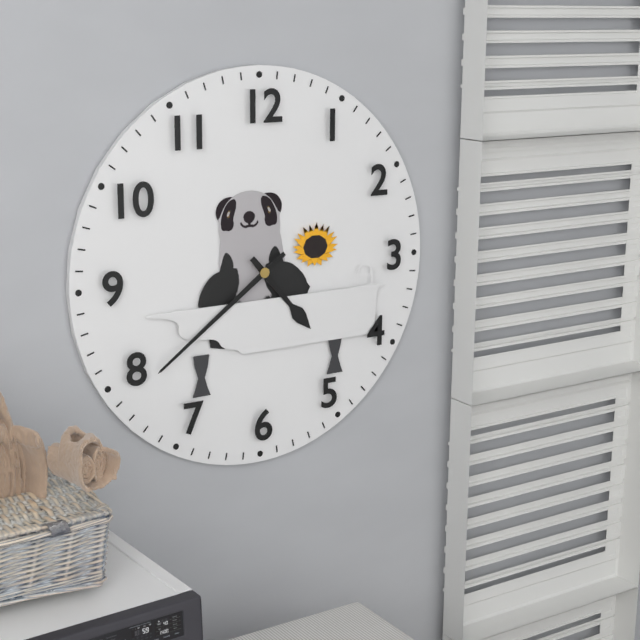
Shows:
4,39
